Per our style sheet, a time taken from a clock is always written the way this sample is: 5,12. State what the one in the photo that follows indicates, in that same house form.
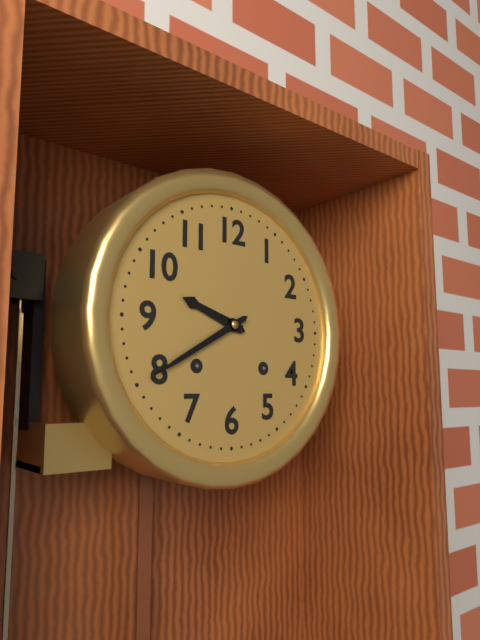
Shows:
9,40
